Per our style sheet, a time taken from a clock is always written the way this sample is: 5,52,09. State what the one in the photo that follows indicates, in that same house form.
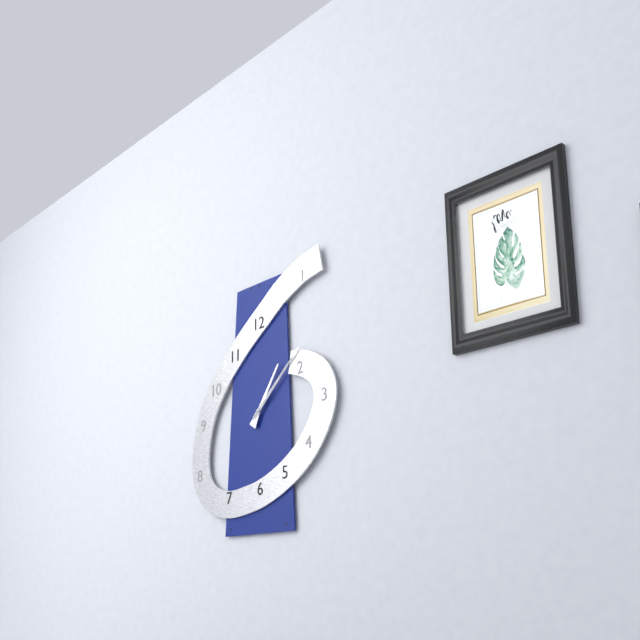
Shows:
1,08,08
